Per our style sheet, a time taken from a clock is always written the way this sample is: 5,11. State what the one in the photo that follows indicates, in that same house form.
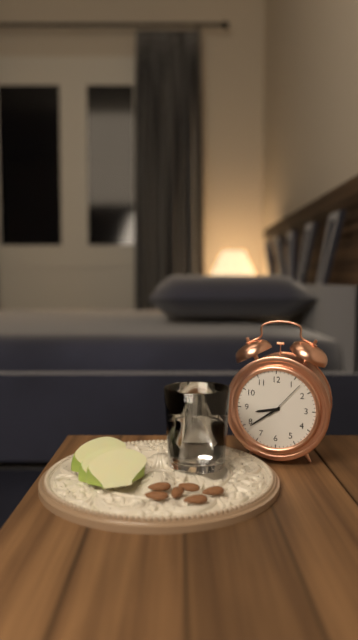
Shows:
8,39
